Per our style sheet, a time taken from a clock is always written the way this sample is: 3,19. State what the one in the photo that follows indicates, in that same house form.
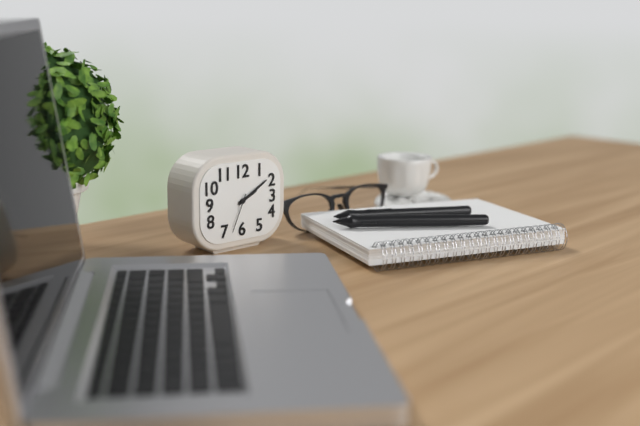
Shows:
2,10
